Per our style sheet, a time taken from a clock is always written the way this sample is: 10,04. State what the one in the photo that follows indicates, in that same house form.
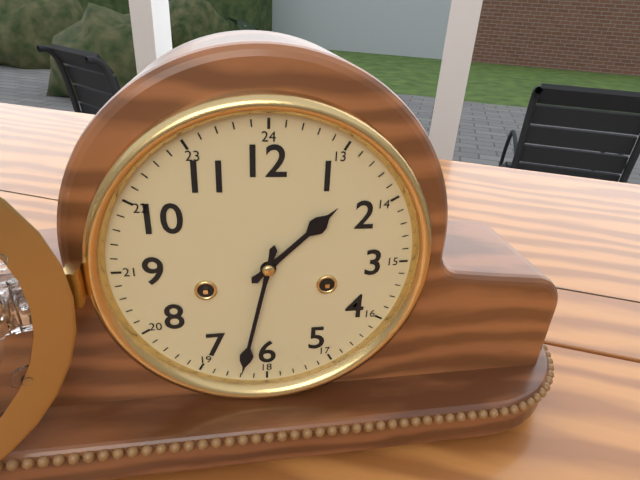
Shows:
1,32
